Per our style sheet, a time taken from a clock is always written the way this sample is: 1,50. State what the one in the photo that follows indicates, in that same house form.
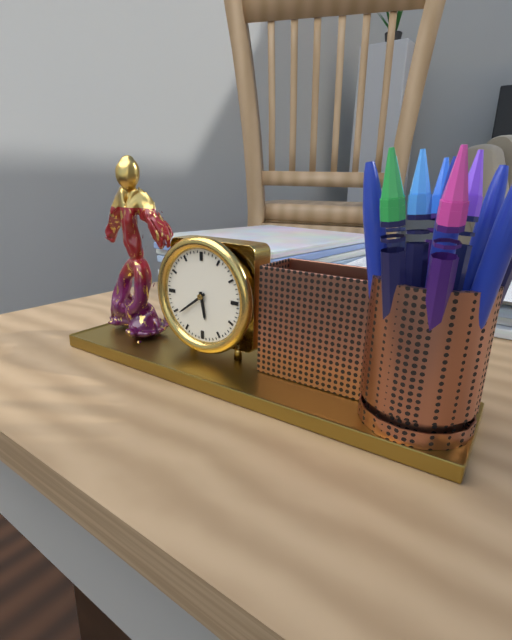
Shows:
5,39
